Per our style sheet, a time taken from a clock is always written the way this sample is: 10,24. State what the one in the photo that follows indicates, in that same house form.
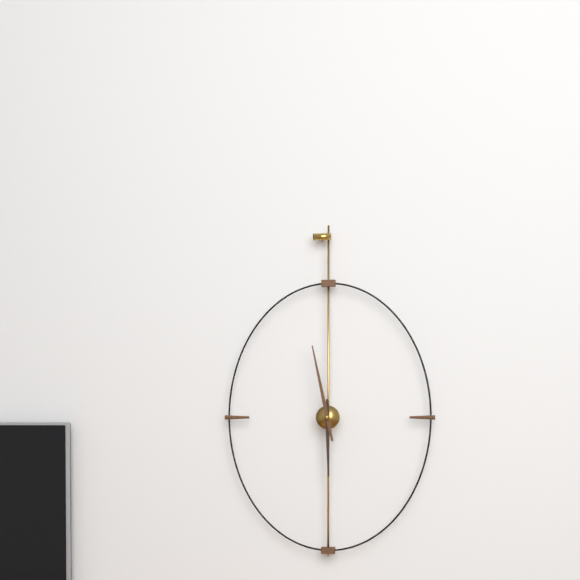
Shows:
5,58
